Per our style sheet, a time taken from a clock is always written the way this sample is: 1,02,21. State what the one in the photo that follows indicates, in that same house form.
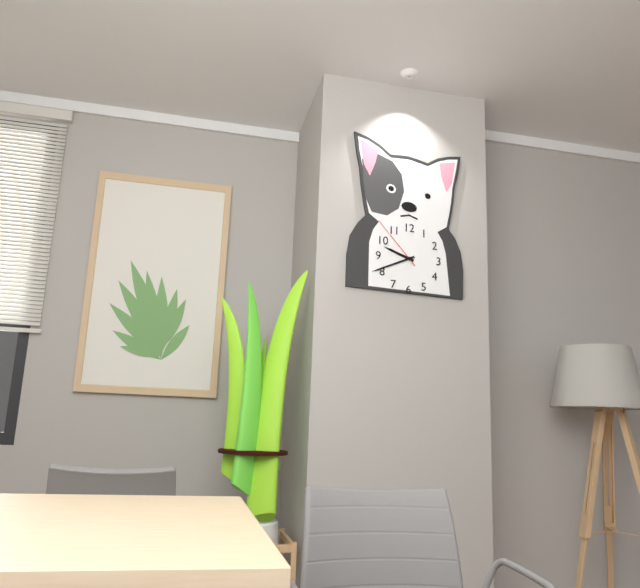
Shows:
9,41,53
